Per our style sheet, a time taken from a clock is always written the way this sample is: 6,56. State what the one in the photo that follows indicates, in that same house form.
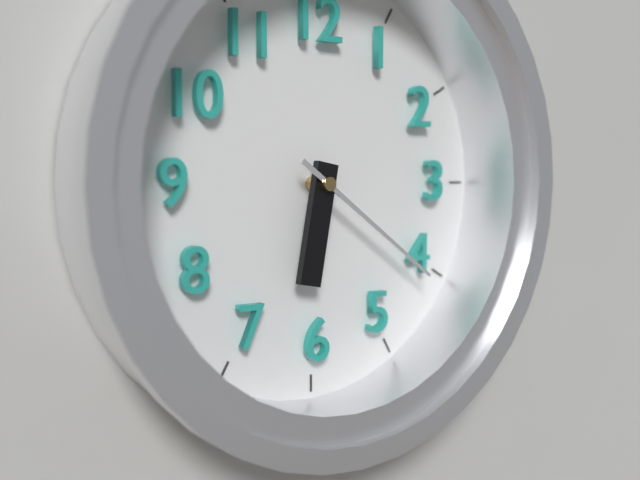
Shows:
6,21
